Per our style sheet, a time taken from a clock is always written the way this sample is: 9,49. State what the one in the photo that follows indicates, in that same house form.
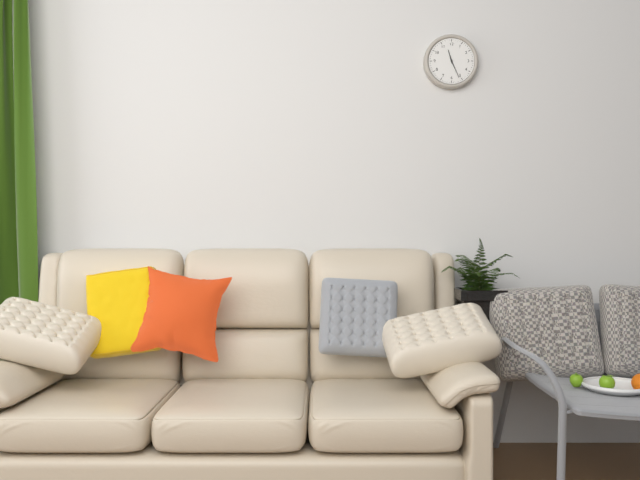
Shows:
11,26
